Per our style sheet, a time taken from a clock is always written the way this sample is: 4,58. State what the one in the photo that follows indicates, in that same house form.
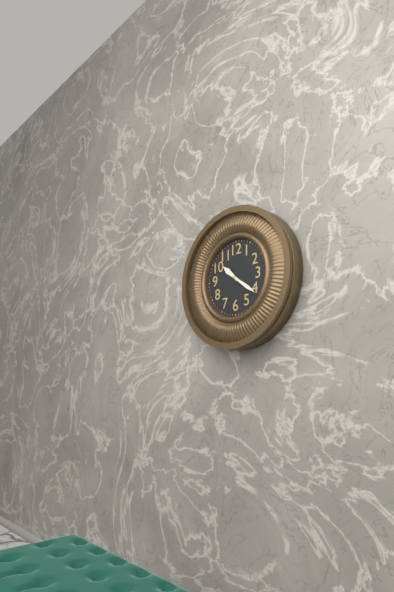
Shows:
10,21
